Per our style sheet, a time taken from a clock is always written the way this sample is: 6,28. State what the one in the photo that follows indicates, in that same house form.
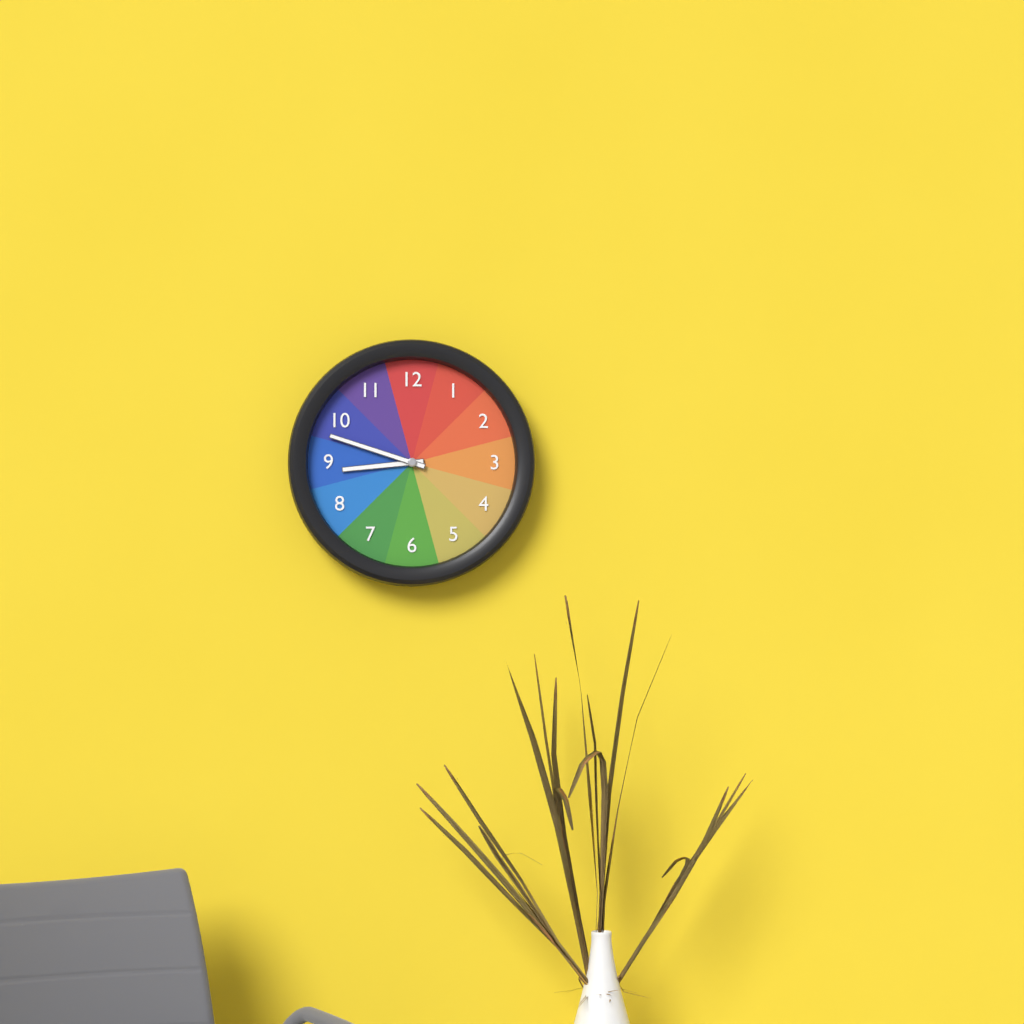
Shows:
8,48
